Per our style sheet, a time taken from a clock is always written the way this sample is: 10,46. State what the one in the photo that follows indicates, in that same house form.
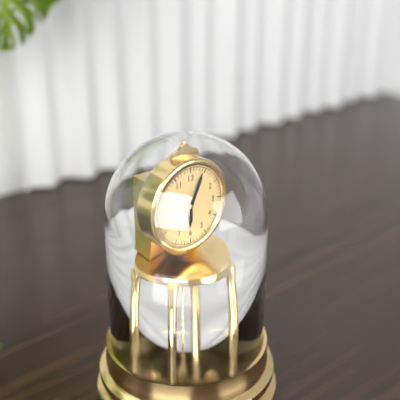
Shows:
6,04
